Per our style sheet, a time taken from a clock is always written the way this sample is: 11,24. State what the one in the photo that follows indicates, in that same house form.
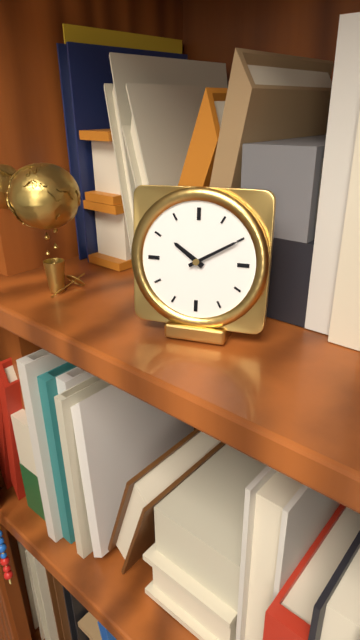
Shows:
10,10
